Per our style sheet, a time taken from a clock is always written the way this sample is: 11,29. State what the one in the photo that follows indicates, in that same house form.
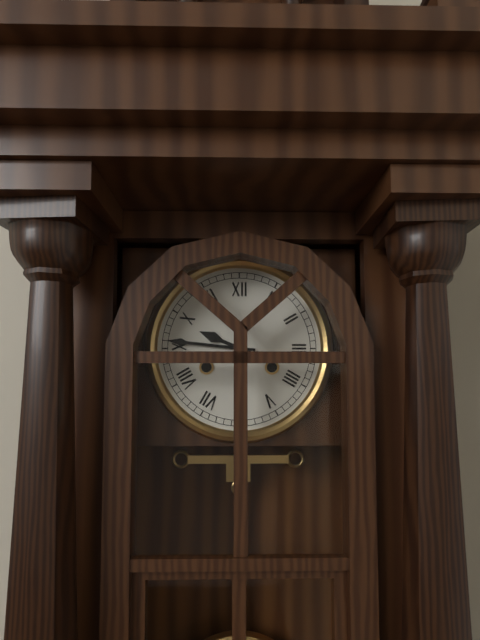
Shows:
9,46
